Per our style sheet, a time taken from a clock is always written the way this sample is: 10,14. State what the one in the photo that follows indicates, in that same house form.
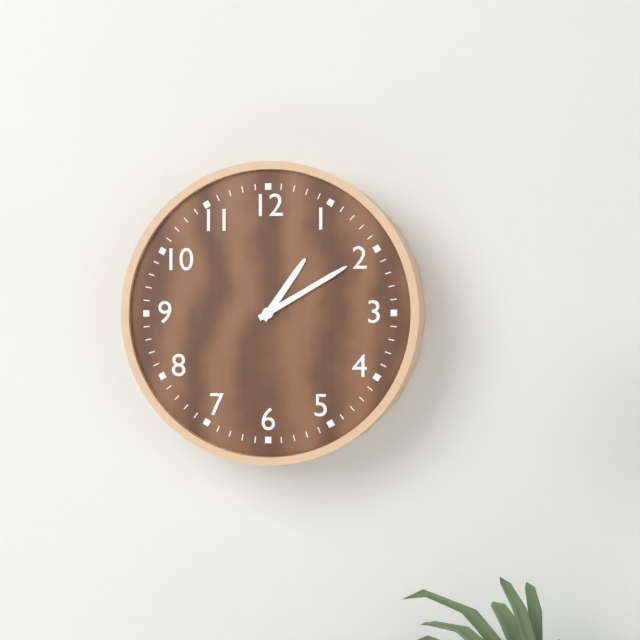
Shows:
1,10
